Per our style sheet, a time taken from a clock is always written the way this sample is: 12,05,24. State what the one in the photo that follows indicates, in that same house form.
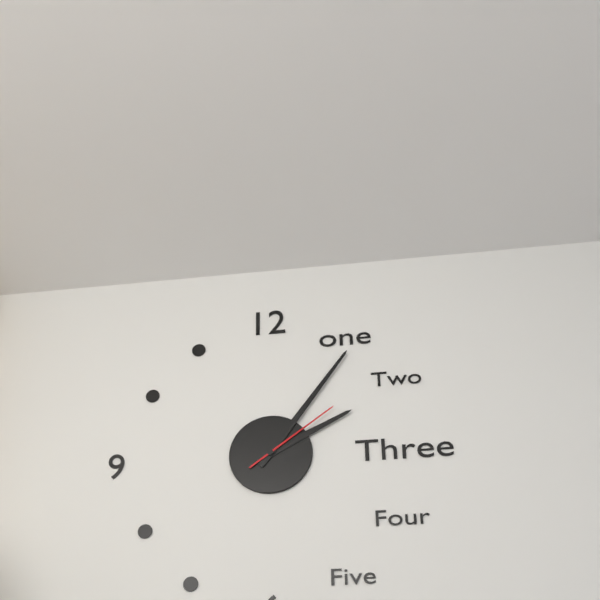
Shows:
2,06,09
